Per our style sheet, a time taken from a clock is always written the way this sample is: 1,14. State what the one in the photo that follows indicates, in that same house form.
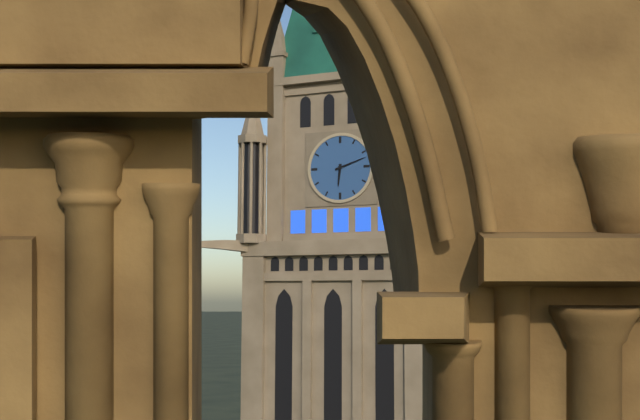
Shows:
6,12
